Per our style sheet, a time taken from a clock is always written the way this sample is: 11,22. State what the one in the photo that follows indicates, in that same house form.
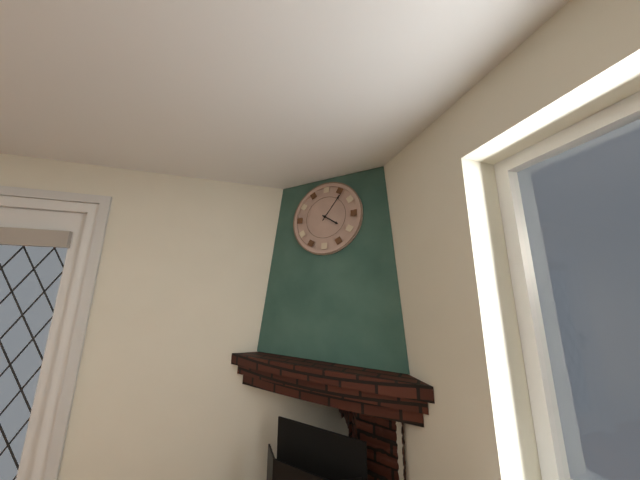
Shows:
4,06
